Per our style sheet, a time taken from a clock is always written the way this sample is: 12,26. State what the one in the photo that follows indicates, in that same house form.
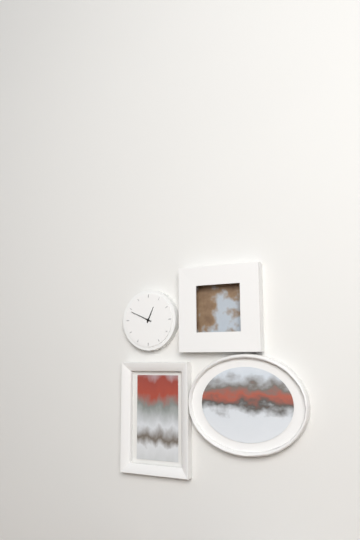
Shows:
12,49
